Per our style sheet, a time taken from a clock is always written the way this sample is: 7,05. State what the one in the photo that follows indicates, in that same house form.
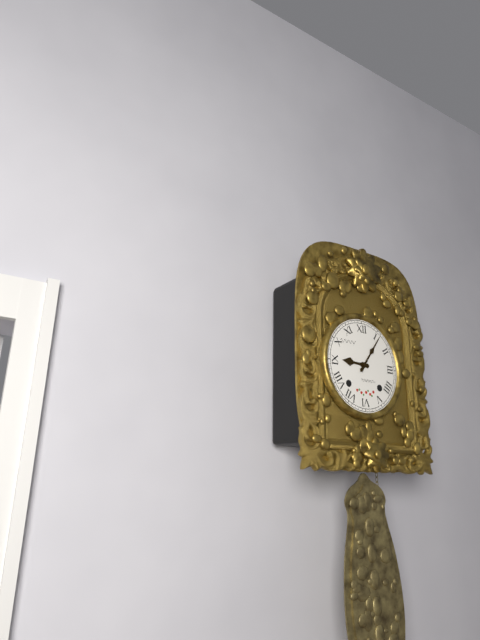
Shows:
9,06
